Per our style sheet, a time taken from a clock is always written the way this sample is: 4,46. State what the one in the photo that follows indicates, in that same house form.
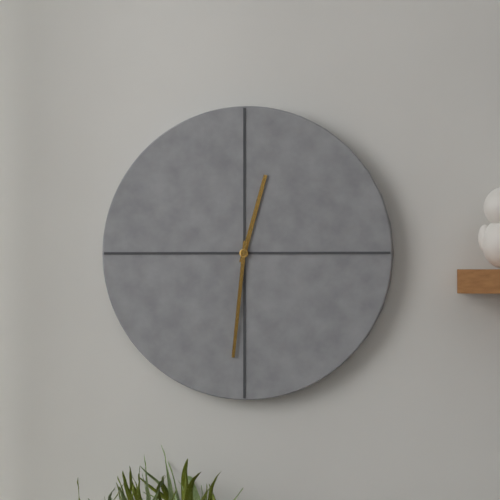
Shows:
12,31
